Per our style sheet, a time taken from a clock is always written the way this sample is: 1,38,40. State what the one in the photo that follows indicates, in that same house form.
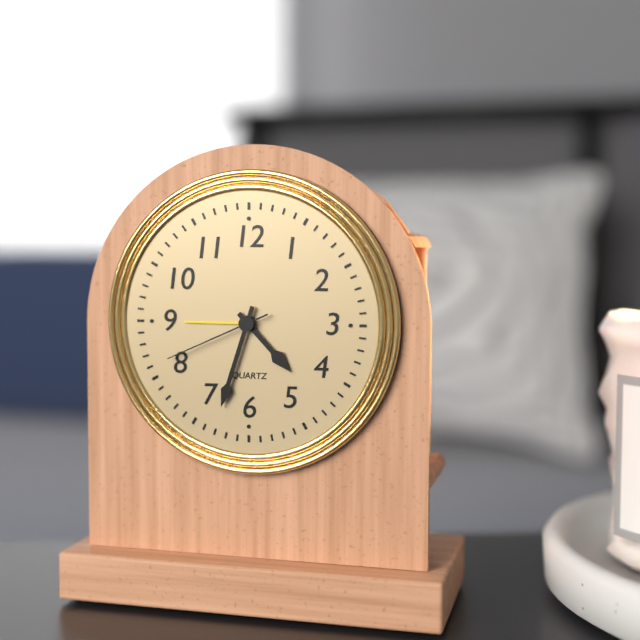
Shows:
4,33,41
